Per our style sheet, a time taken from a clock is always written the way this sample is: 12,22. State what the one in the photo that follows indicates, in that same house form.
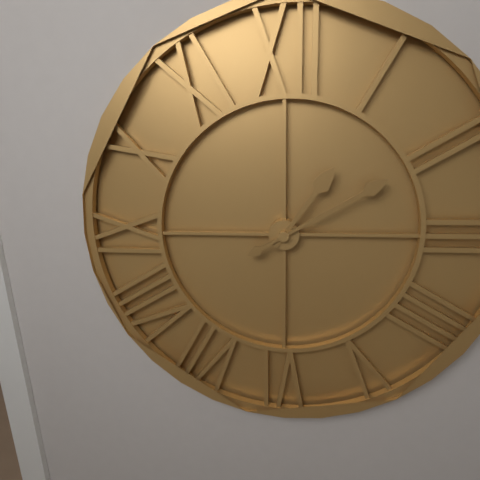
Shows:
1,10
